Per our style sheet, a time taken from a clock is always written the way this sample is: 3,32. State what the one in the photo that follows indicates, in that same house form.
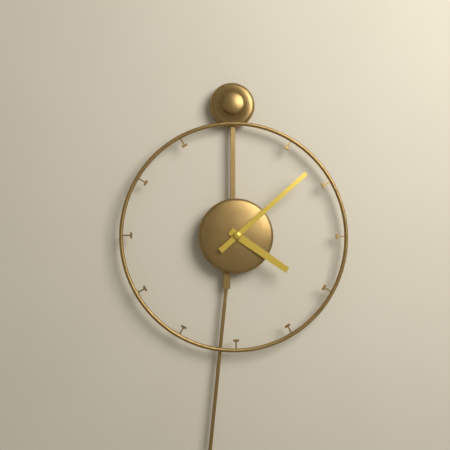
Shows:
4,08
